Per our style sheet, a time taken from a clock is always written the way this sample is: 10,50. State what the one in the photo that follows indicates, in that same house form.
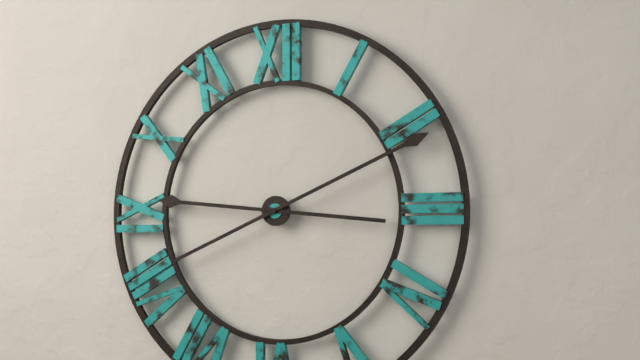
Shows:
9,11
